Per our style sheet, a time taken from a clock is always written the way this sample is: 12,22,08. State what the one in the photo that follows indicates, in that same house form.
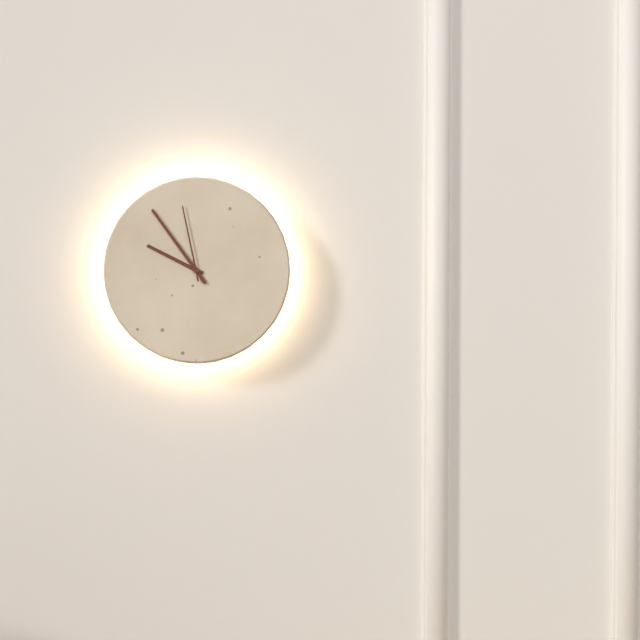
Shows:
9,54,58
